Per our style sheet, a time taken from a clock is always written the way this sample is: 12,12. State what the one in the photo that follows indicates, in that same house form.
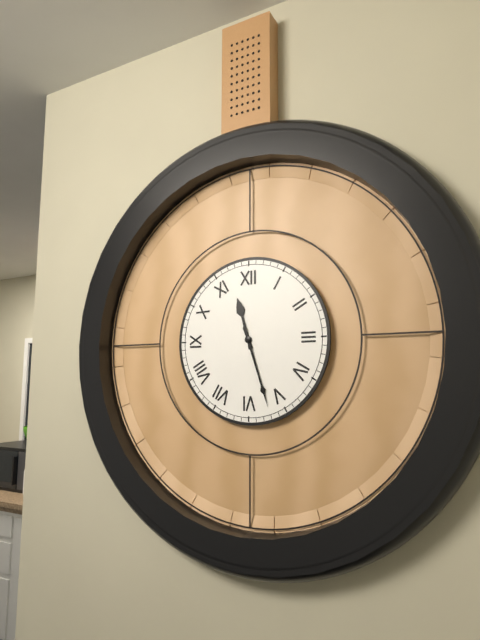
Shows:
11,27
